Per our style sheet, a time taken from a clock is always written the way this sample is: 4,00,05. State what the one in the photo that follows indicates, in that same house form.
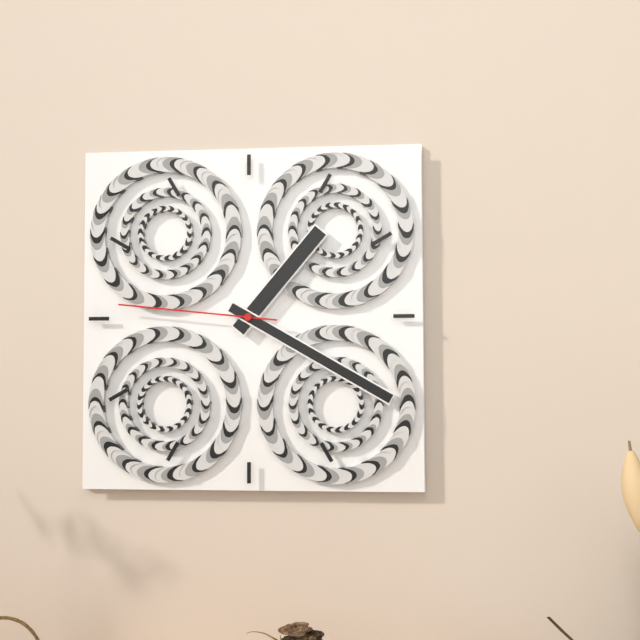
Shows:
1,20,46
